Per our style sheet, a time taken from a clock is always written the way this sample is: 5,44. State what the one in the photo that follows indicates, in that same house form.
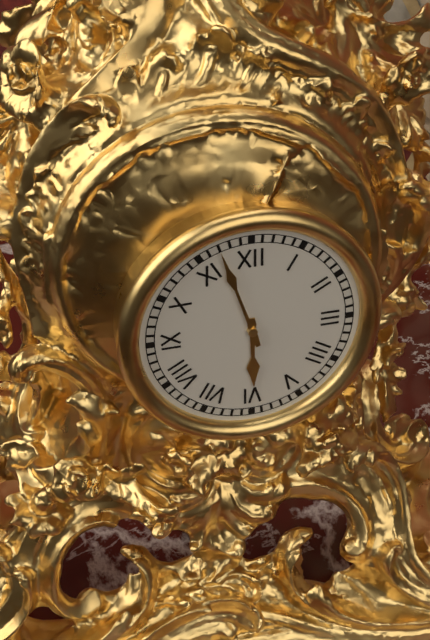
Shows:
5,57
